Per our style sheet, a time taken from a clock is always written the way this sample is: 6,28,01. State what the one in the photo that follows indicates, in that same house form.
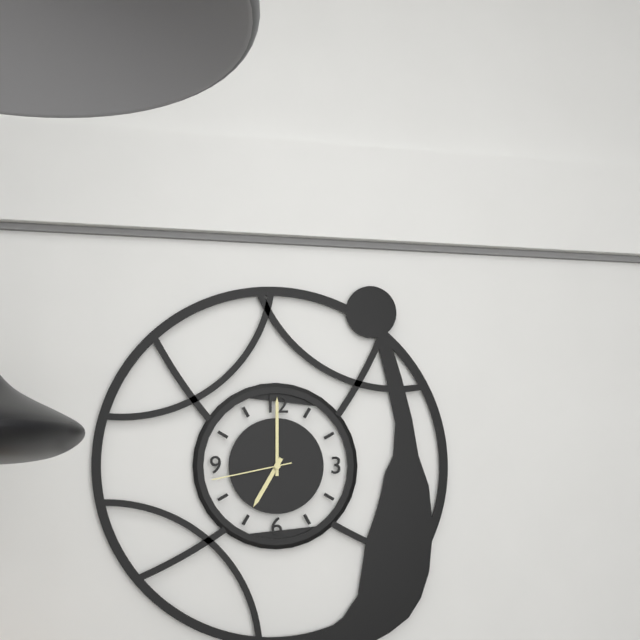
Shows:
7,00,43
